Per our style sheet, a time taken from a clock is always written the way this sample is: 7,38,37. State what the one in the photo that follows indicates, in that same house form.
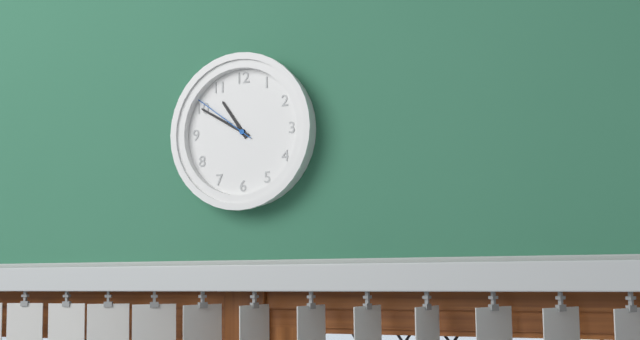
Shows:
10,50,51
